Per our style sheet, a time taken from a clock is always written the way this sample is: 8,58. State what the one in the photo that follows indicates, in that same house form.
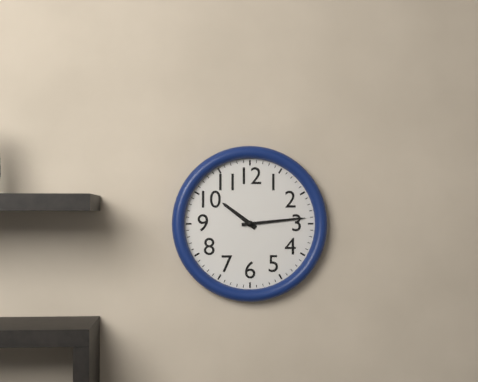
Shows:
10,14
